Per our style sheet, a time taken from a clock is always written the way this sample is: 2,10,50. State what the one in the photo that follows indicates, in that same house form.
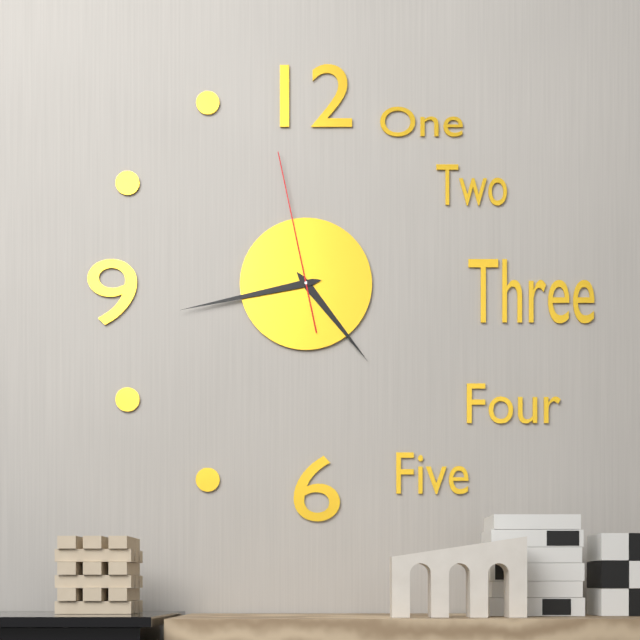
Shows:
4,43,58
